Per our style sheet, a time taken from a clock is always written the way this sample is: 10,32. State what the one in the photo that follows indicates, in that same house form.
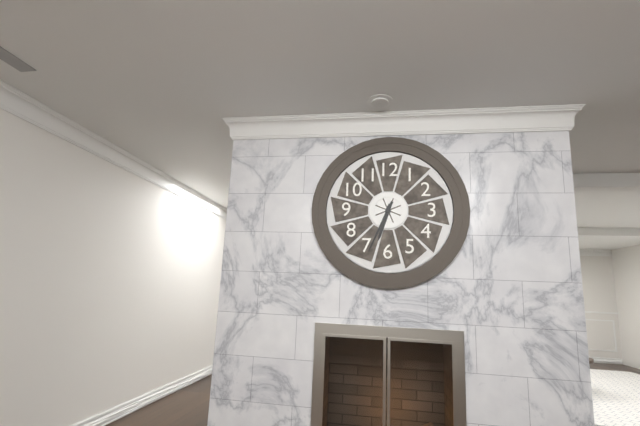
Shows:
6,34
